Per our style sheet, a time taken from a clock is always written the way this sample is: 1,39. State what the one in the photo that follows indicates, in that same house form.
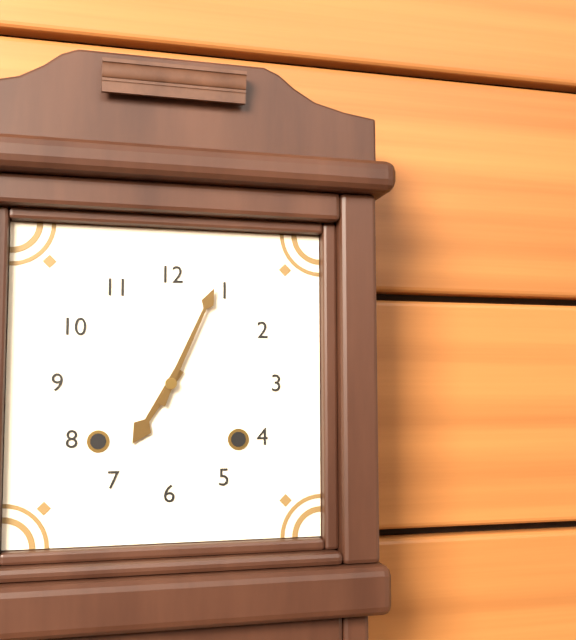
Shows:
7,04
